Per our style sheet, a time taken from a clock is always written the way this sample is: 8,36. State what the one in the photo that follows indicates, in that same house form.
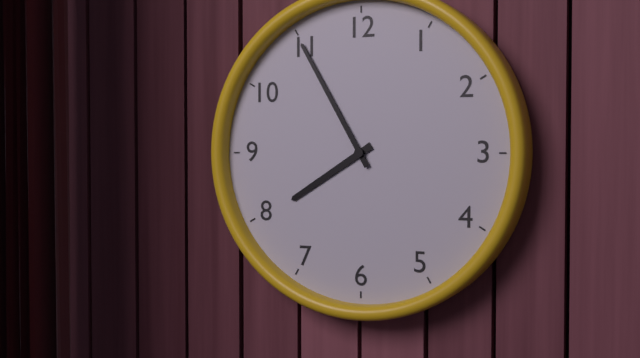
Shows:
7,55
